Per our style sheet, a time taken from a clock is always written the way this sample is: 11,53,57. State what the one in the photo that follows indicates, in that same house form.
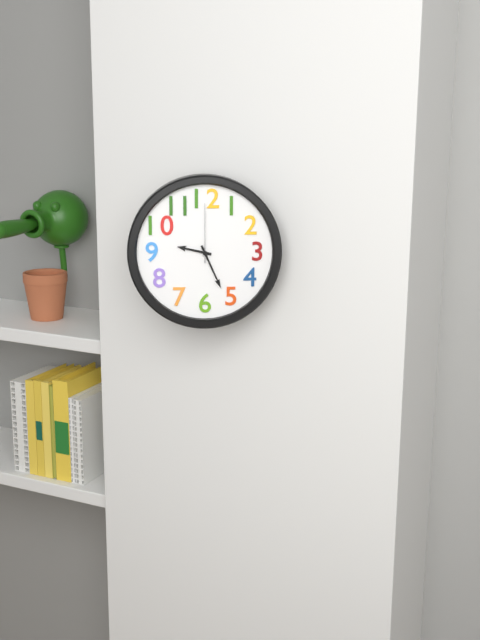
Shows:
9,26,00
